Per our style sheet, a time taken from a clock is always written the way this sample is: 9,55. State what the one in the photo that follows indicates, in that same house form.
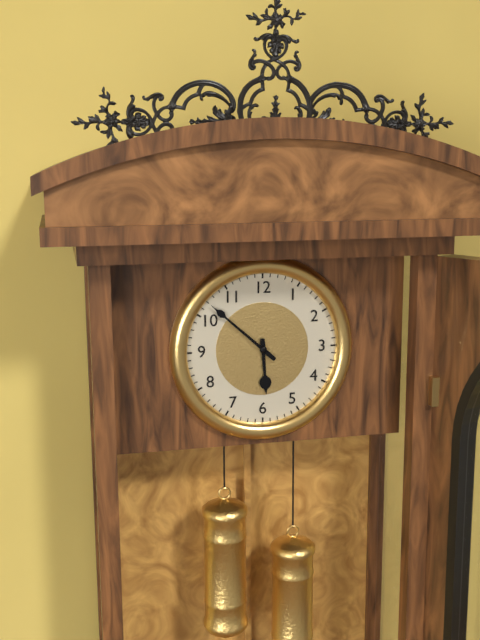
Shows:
5,52
